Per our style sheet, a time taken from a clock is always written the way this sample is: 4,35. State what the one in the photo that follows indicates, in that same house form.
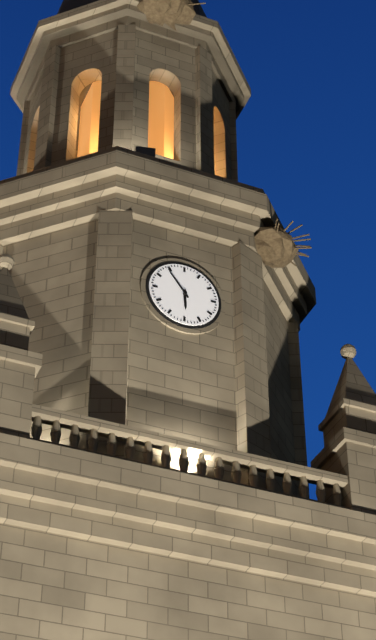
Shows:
5,54
